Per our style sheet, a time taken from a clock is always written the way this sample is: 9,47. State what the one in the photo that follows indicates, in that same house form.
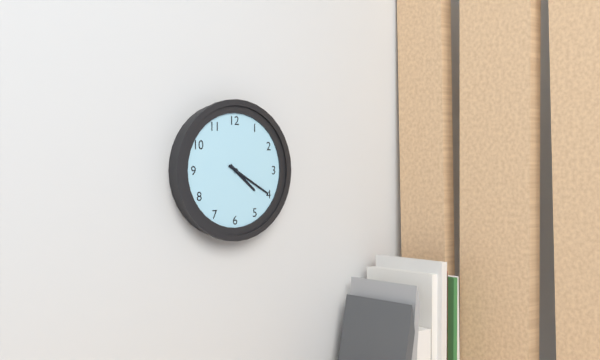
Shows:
4,20
